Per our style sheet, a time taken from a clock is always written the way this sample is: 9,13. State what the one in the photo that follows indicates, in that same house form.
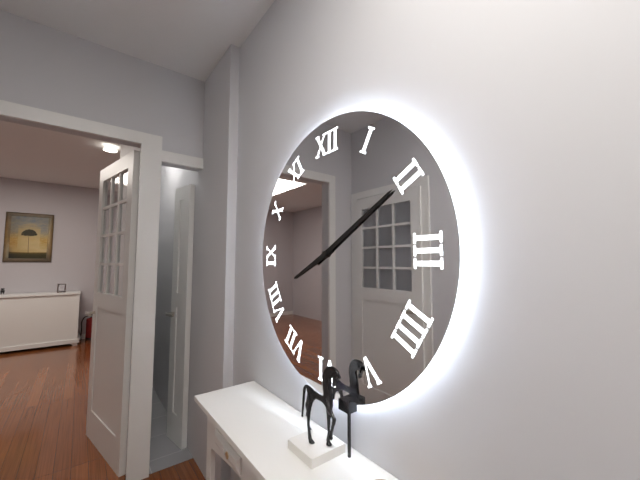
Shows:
8,10
